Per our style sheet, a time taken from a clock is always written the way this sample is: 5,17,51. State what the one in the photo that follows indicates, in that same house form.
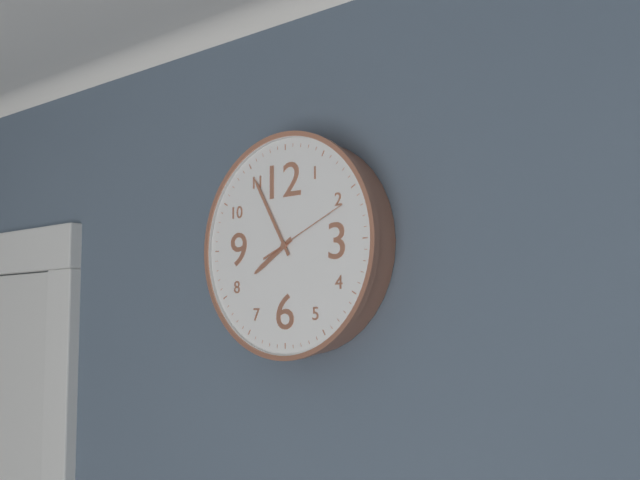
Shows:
7,55,11
